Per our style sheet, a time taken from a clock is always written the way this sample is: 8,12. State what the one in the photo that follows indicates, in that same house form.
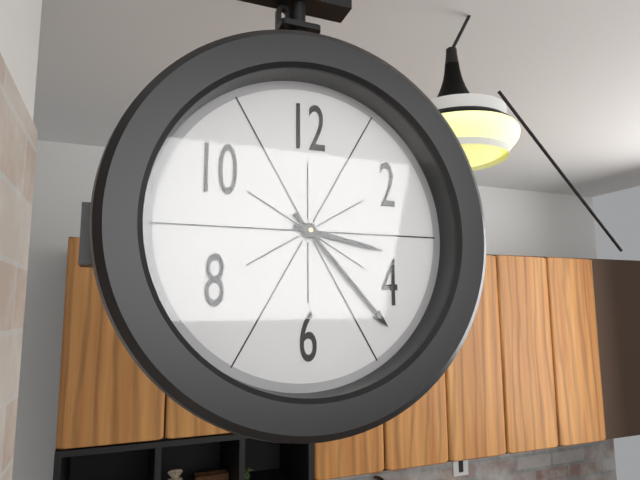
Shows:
3,23
